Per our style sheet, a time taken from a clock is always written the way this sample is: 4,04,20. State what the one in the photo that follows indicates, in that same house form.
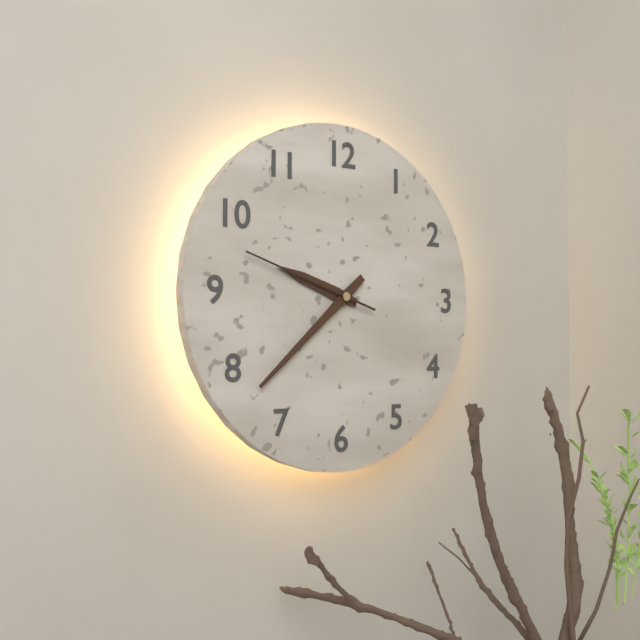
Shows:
9,38,48
